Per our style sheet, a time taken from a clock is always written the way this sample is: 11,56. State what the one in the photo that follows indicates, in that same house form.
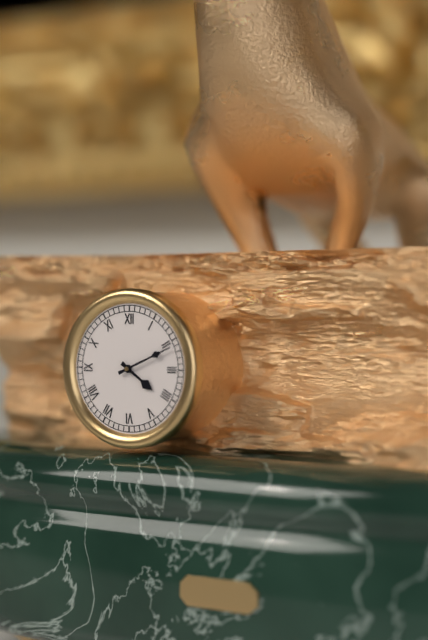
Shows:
4,11
